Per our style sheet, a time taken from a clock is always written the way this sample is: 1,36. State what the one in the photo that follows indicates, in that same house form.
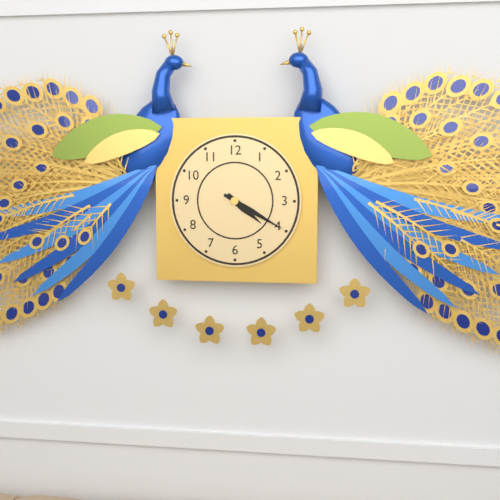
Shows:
4,20
